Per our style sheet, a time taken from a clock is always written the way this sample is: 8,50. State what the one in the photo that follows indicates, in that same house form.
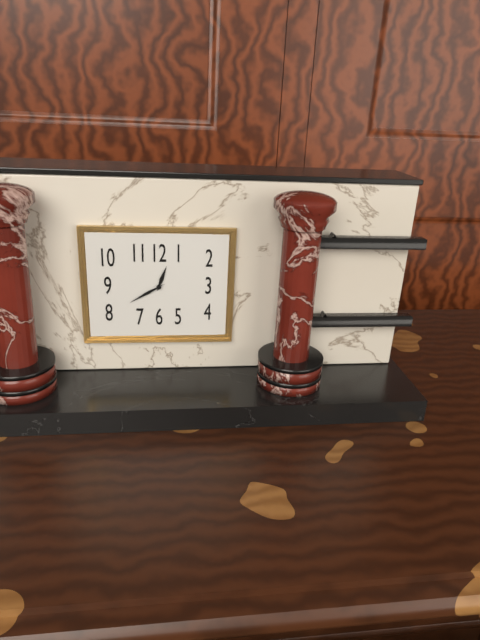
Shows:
12,40
